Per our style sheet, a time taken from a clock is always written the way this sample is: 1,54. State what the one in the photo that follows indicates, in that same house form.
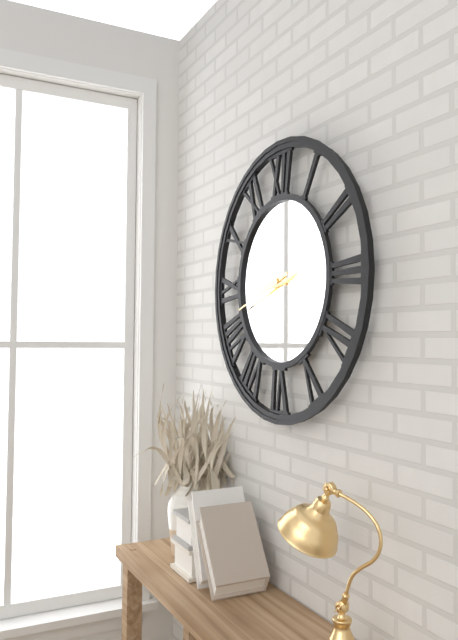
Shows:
8,42
